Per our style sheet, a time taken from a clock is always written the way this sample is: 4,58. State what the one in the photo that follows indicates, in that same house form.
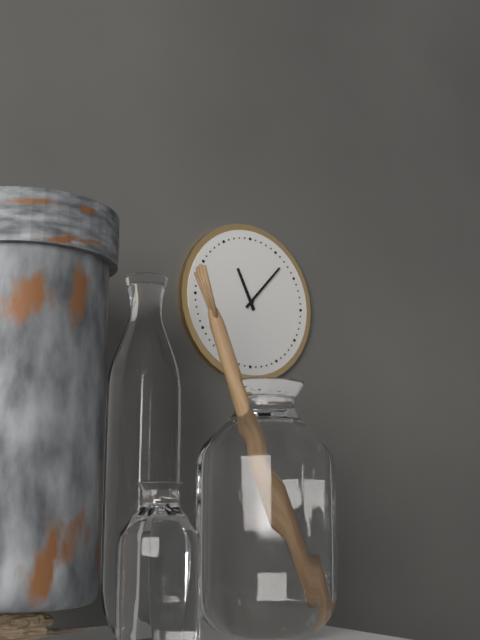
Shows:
11,07
